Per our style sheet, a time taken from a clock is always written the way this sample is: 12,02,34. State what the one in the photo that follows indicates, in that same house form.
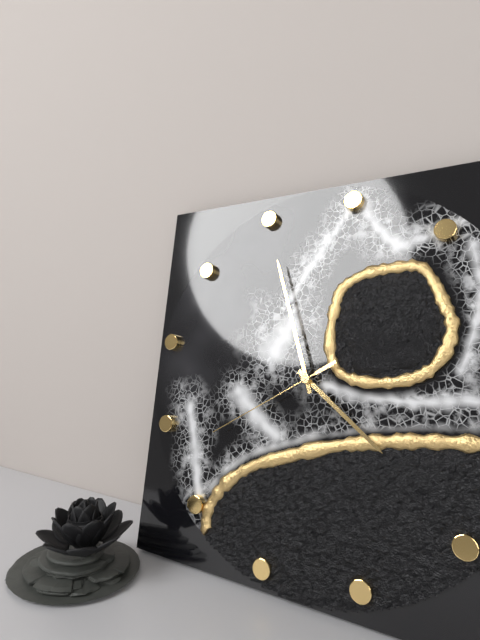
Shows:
3,55,38
